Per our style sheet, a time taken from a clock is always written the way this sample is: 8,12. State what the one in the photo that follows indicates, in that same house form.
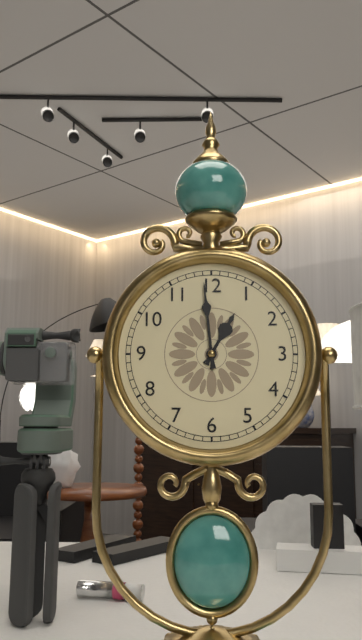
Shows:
12,59
